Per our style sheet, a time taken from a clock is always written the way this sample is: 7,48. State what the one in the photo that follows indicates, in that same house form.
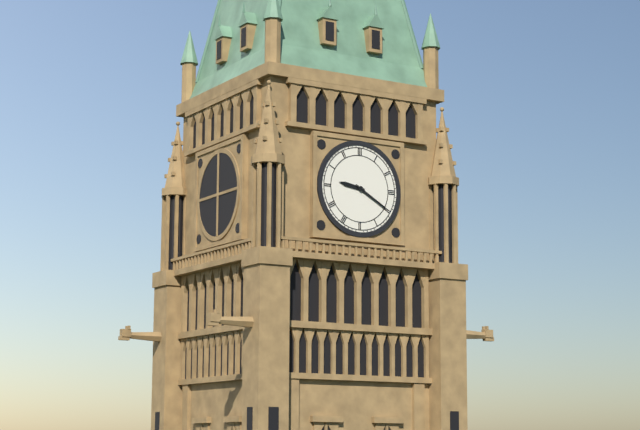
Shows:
9,20
